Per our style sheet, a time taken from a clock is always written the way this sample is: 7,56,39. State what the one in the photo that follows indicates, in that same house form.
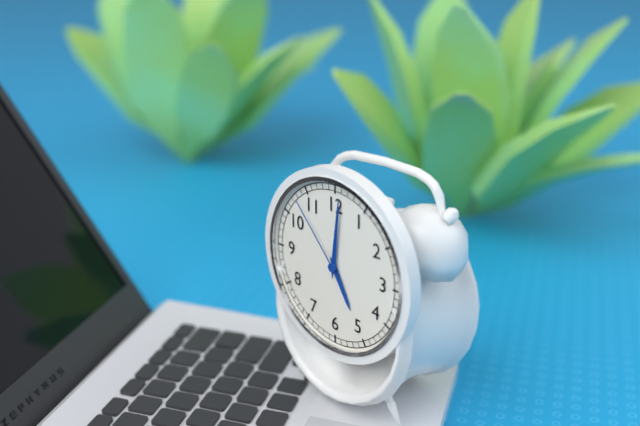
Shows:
5,01,53
